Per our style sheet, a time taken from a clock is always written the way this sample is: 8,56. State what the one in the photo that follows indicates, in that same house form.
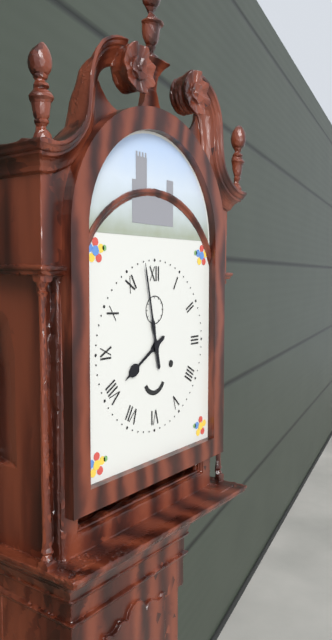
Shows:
7,58
